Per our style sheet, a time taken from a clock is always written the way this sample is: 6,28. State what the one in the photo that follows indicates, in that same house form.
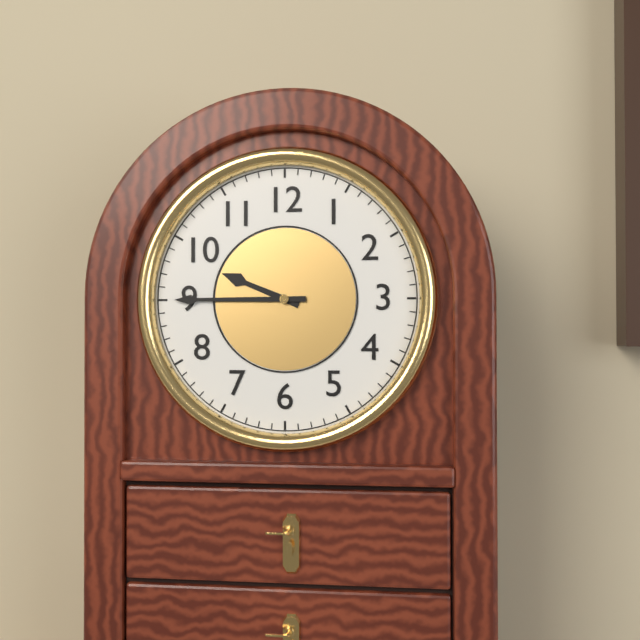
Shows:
9,45
